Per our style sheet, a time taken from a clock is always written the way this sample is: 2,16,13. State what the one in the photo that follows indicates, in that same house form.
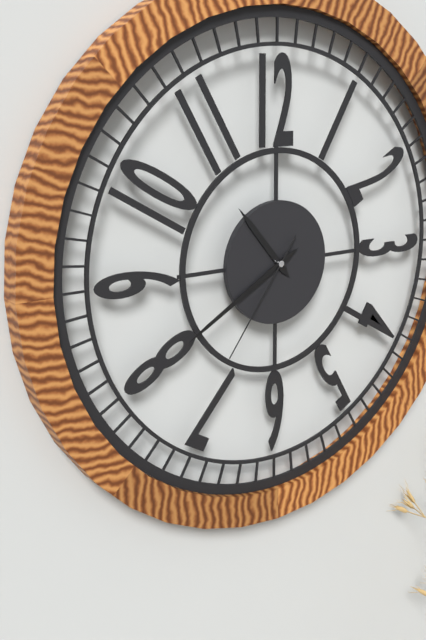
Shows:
10,40,36
